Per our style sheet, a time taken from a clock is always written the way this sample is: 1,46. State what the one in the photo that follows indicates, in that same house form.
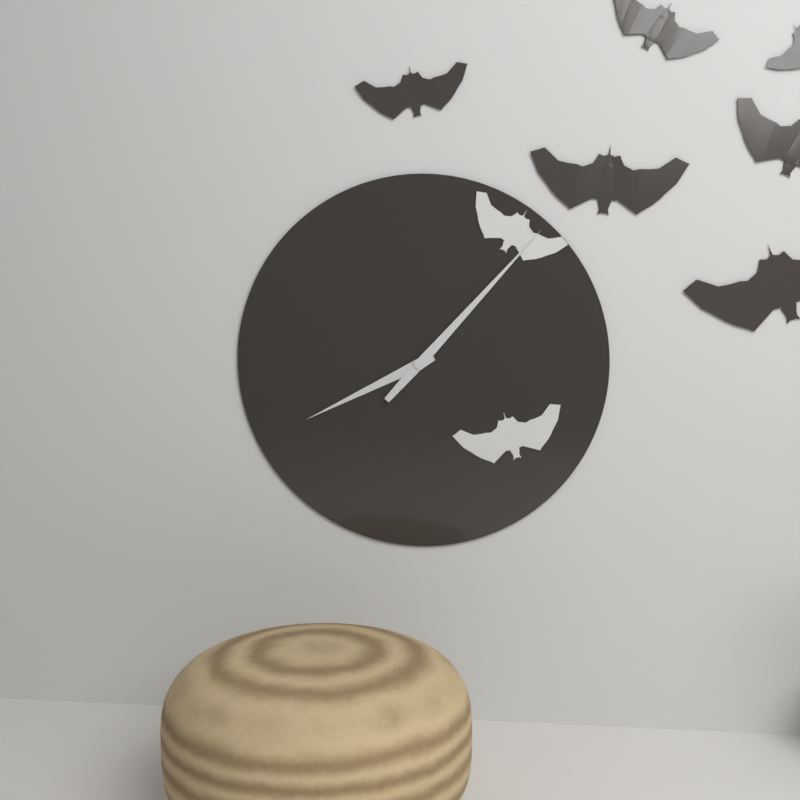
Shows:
8,07
